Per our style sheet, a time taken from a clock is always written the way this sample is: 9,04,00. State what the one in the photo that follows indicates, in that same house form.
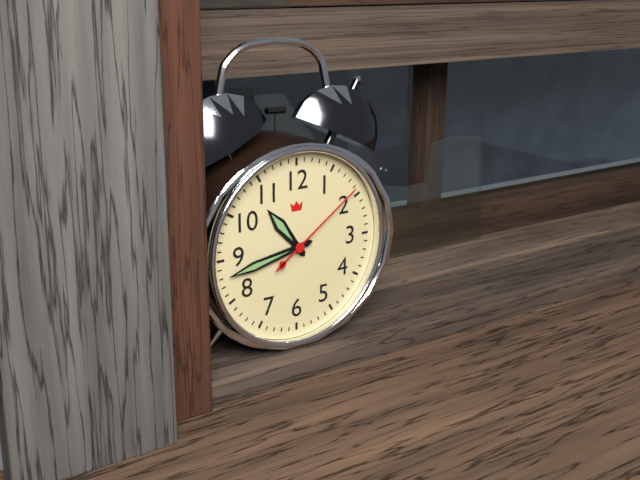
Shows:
10,43,09
